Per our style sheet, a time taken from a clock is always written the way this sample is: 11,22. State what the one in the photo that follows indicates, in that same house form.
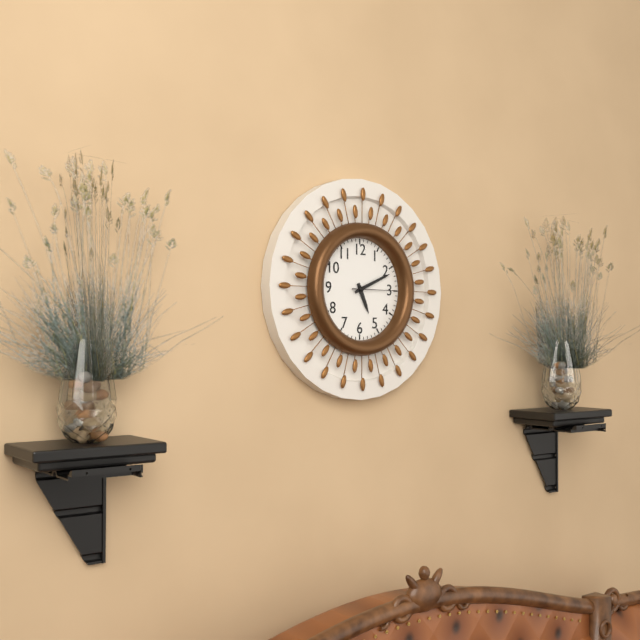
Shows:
5,11
